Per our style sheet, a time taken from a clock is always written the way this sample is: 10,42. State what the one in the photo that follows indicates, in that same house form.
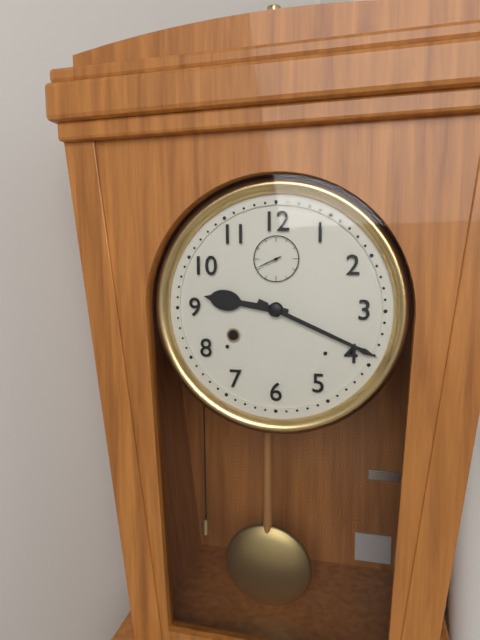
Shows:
9,19
